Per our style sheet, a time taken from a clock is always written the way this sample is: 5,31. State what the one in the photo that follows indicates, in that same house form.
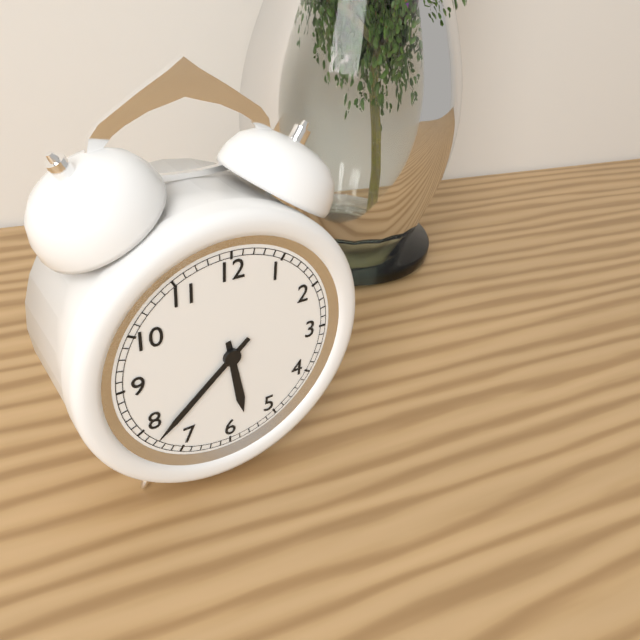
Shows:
5,38
